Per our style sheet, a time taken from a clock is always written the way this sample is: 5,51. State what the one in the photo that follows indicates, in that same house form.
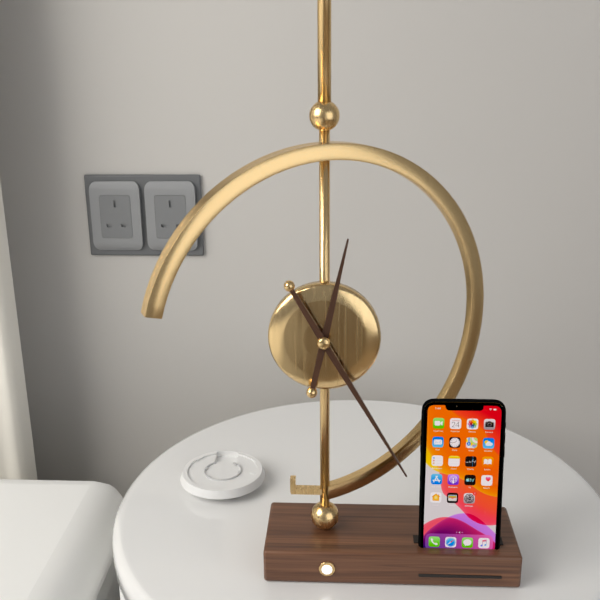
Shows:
12,25
